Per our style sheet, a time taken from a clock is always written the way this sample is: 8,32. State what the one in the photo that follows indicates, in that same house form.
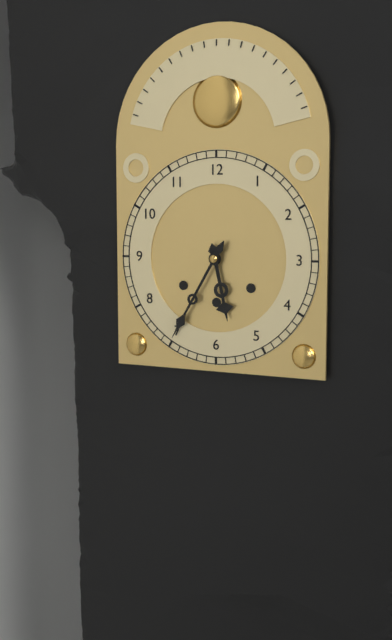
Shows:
5,35
